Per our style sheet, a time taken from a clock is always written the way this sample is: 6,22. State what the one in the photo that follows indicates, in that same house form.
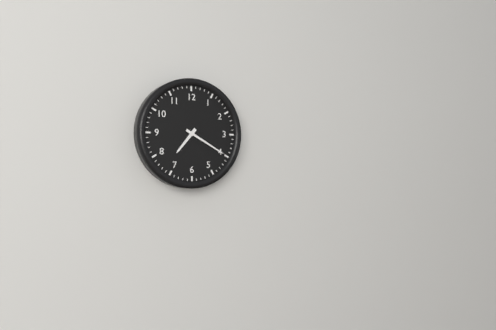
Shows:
7,20
